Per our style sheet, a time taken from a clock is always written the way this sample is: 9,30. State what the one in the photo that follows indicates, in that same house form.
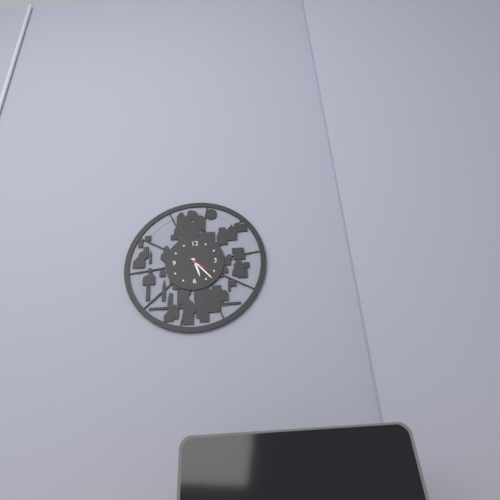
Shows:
5,23
